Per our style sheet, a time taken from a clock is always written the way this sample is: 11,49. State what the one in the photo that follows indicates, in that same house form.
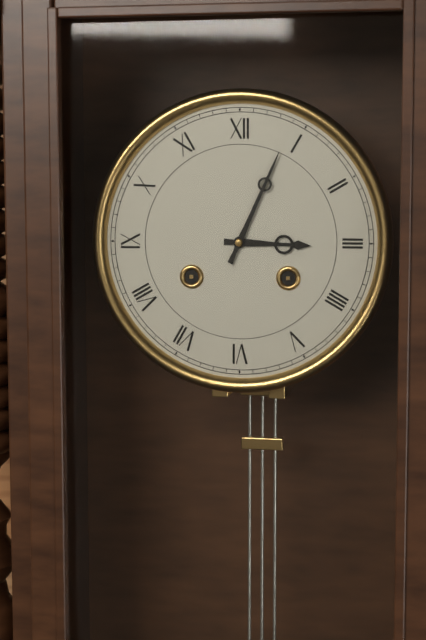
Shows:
3,04
